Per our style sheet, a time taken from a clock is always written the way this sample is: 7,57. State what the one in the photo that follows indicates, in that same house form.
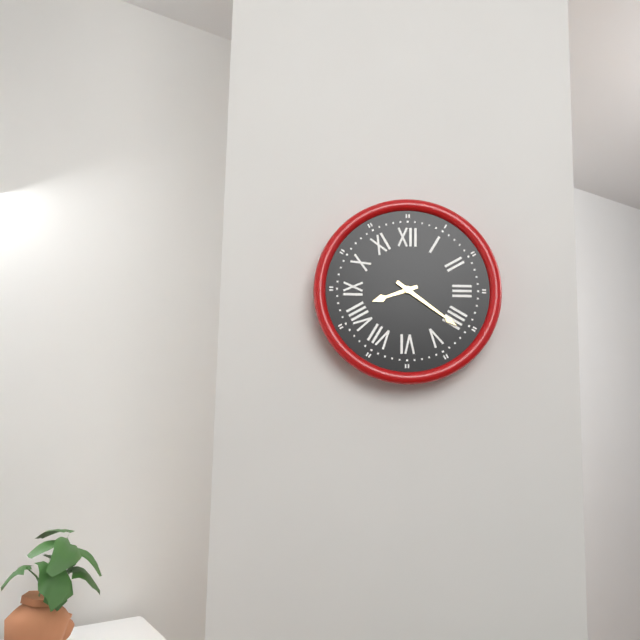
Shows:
8,21
